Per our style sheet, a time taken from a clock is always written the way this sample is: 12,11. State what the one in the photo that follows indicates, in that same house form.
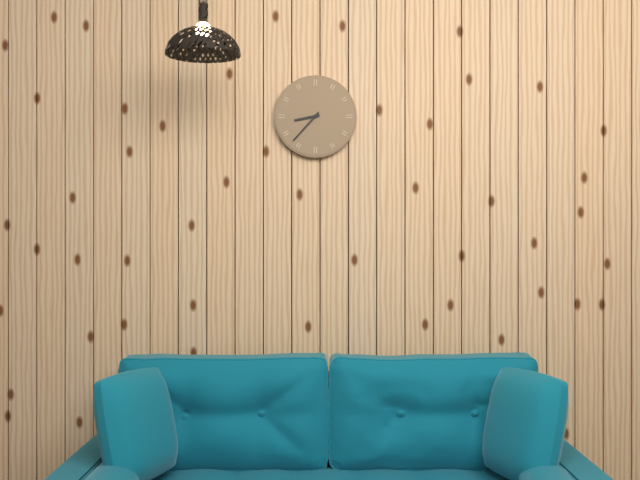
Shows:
8,37
